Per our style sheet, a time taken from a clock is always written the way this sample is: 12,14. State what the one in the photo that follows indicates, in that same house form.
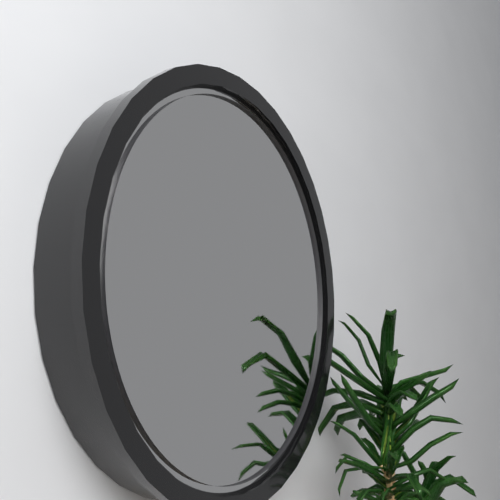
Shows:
7,00
